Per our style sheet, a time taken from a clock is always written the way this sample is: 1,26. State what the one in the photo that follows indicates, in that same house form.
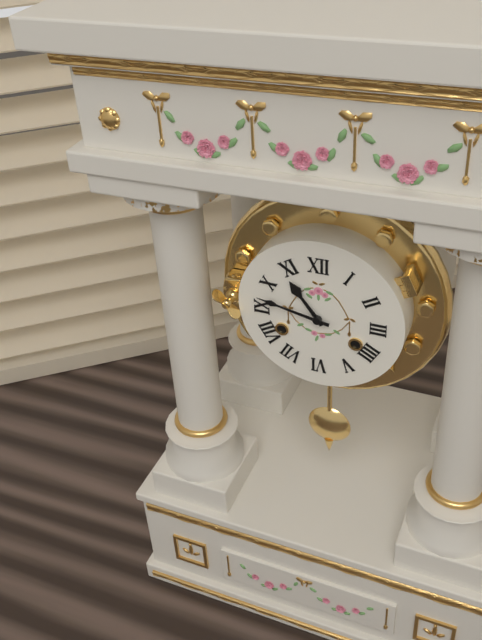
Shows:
10,47
